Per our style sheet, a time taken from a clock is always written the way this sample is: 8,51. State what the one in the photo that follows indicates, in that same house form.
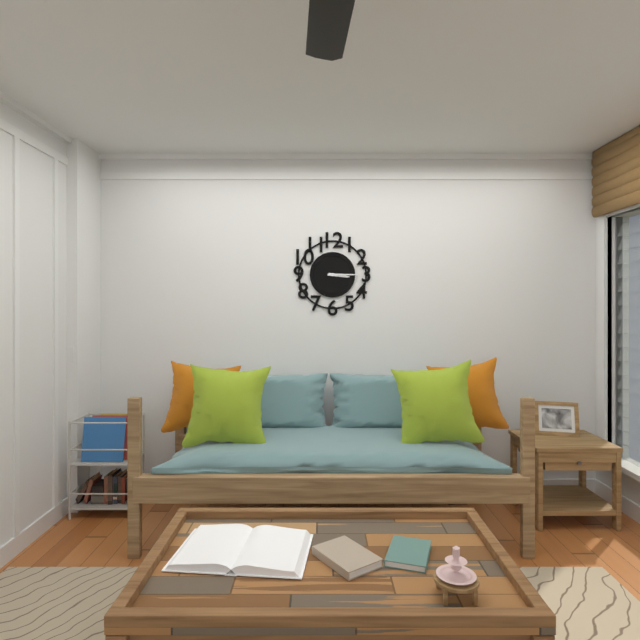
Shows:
3,15
